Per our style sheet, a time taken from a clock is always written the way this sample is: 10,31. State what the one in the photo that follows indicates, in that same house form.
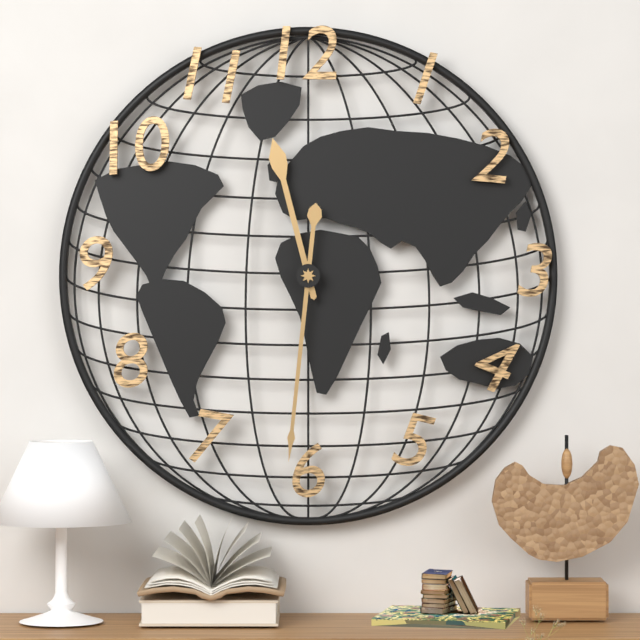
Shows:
11,31
